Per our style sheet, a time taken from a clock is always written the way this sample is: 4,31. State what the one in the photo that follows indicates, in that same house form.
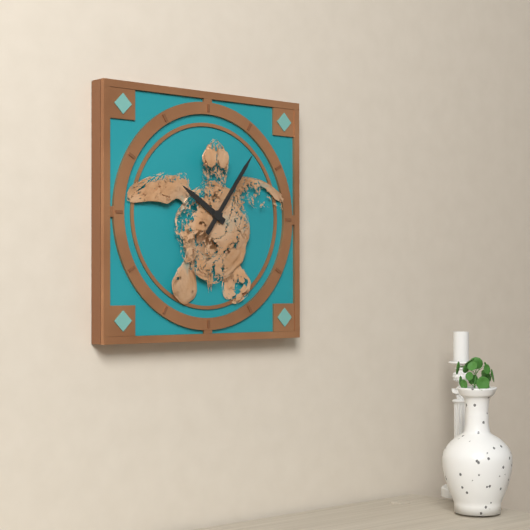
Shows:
10,06
